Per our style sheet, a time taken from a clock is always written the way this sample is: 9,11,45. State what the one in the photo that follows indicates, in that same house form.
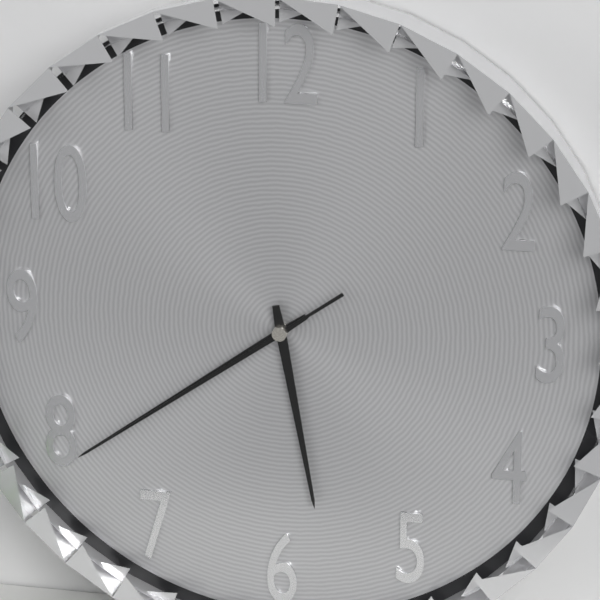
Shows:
5,39,39
